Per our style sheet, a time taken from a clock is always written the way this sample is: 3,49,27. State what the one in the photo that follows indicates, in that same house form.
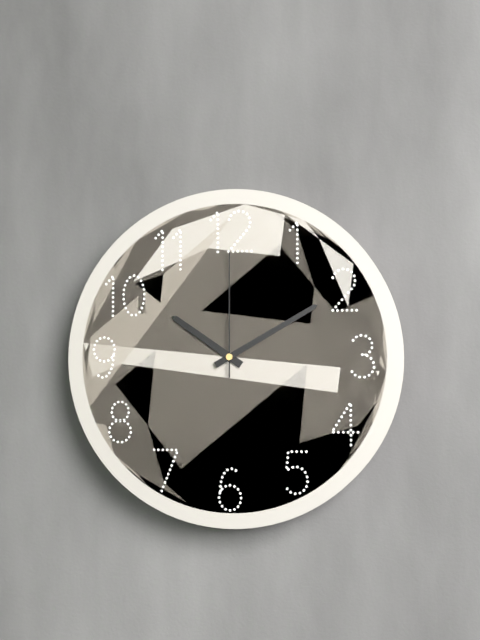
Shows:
10,10,00
